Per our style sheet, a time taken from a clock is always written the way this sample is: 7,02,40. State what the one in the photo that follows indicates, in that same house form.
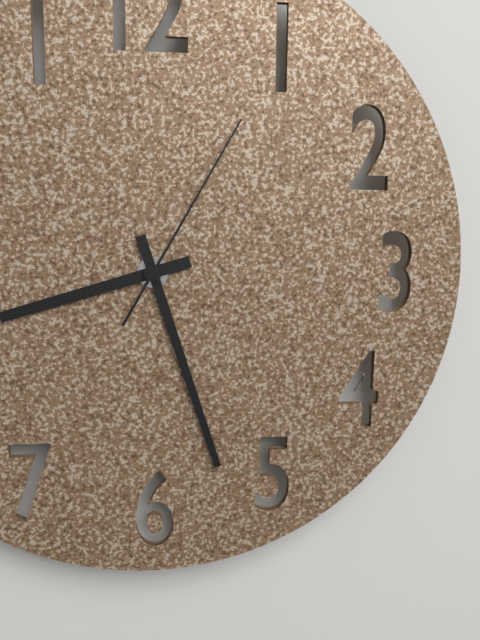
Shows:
8,27,05
